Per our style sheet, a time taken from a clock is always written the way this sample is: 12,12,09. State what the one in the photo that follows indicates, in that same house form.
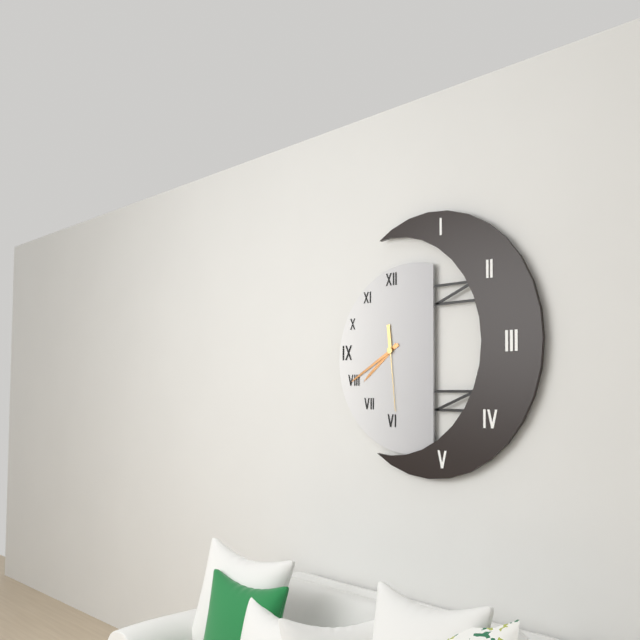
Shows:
7,40,29
